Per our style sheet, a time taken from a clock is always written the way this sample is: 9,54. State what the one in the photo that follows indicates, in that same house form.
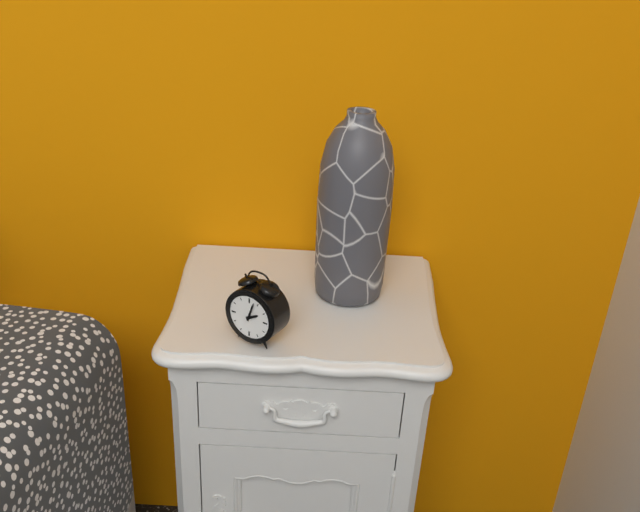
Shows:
2,03
